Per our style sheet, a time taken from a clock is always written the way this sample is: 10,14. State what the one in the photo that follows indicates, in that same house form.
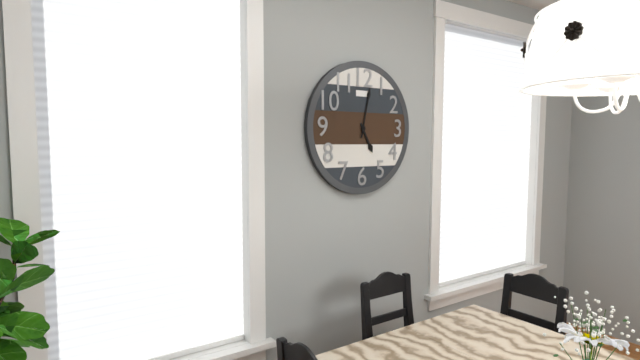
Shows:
5,02
